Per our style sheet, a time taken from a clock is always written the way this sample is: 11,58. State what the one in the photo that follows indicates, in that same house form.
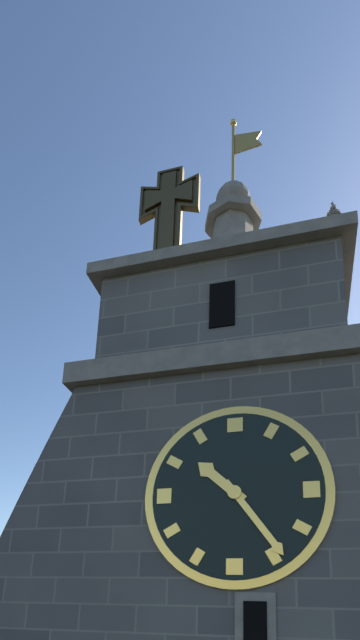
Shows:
10,24
